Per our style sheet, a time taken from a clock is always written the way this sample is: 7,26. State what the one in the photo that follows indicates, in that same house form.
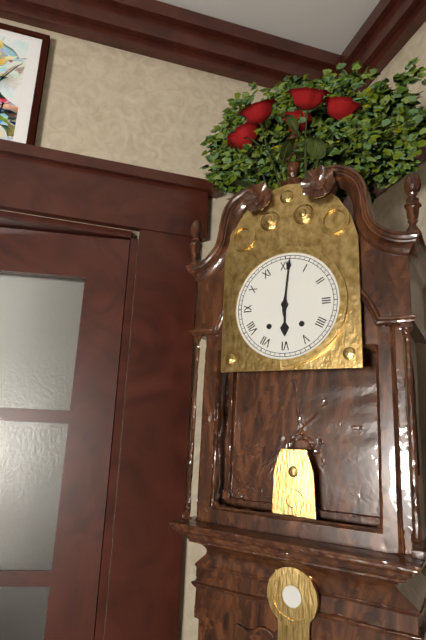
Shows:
6,01
